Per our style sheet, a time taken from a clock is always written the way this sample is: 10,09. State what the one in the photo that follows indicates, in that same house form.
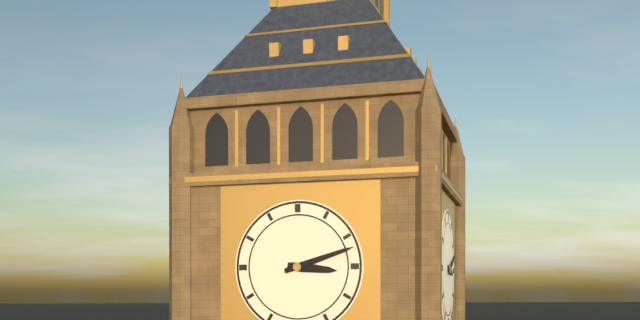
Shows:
3,12
